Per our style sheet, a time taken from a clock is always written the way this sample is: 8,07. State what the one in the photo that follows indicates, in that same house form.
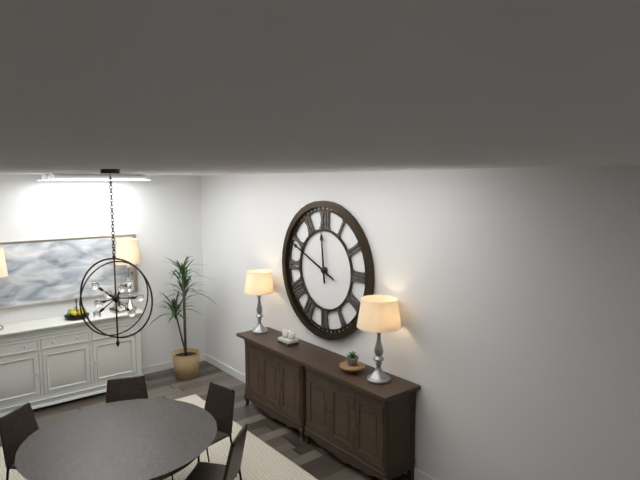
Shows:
11,49
